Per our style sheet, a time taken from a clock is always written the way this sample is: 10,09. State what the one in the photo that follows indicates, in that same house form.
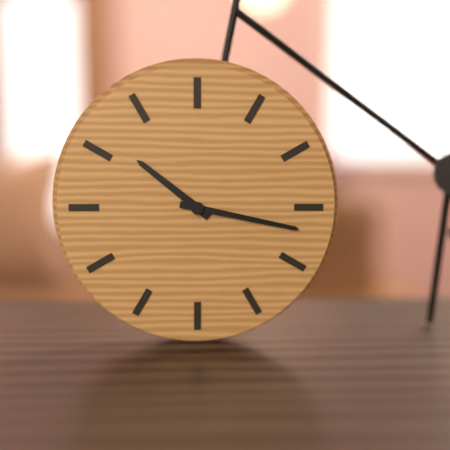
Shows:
10,17
